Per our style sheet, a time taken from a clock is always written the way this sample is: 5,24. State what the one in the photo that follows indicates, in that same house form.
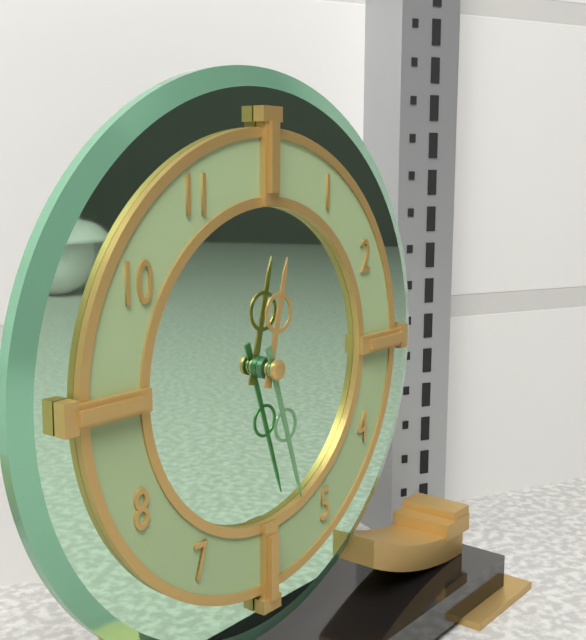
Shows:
12,27
